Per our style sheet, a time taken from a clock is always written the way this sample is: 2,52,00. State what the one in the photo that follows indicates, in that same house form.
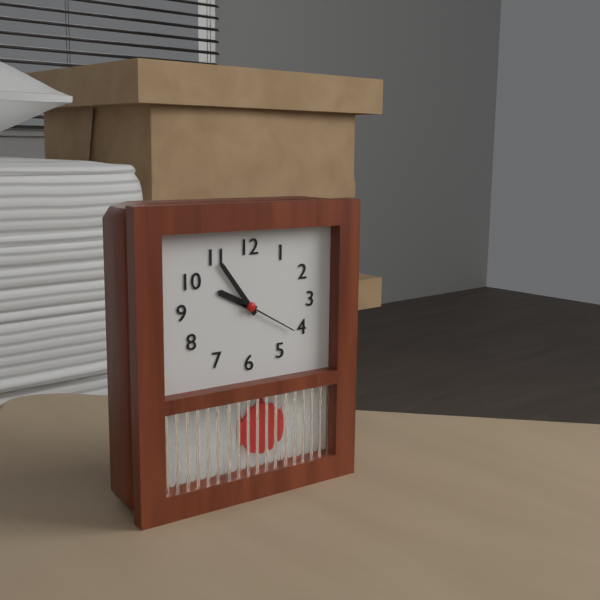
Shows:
9,54,20
